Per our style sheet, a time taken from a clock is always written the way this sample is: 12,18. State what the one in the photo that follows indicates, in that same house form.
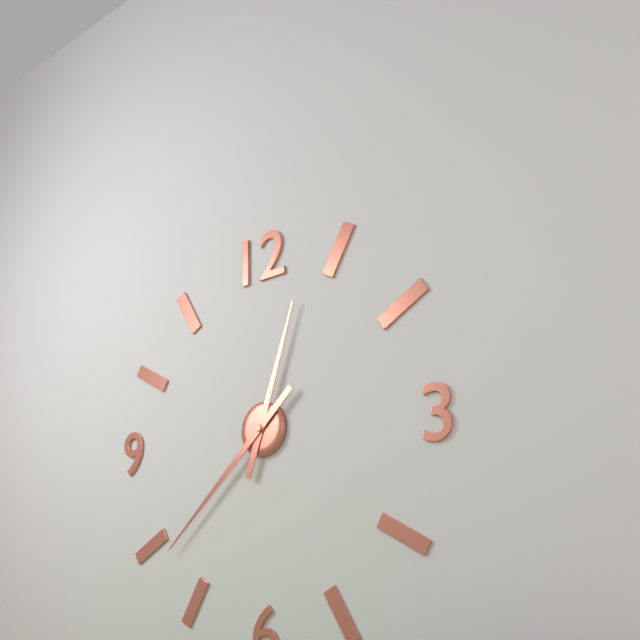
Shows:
12,38
